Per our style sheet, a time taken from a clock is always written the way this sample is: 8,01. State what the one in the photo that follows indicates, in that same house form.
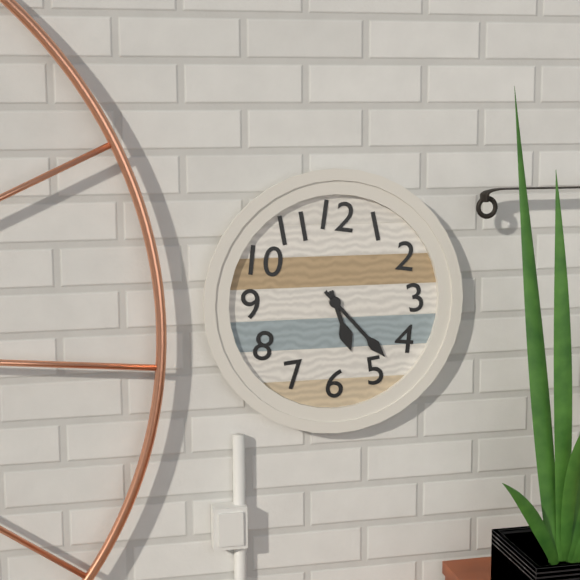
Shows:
5,23
